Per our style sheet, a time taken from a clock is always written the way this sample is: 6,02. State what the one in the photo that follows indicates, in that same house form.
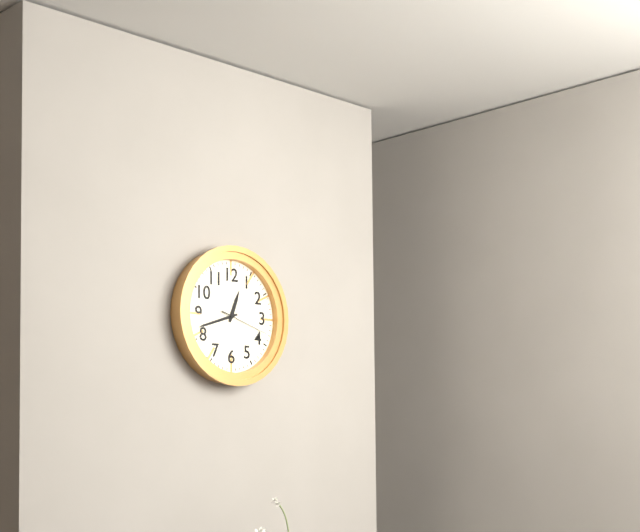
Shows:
12,42
